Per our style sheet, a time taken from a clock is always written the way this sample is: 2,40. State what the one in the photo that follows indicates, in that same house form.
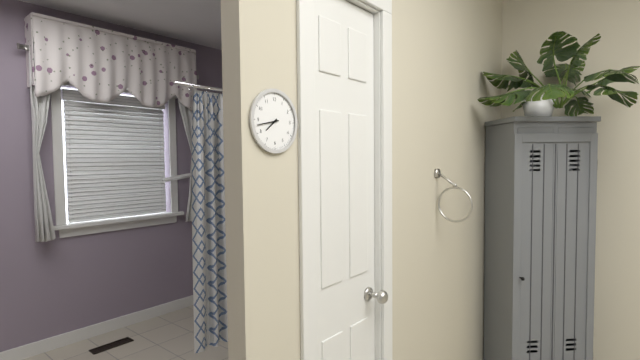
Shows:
7,43
